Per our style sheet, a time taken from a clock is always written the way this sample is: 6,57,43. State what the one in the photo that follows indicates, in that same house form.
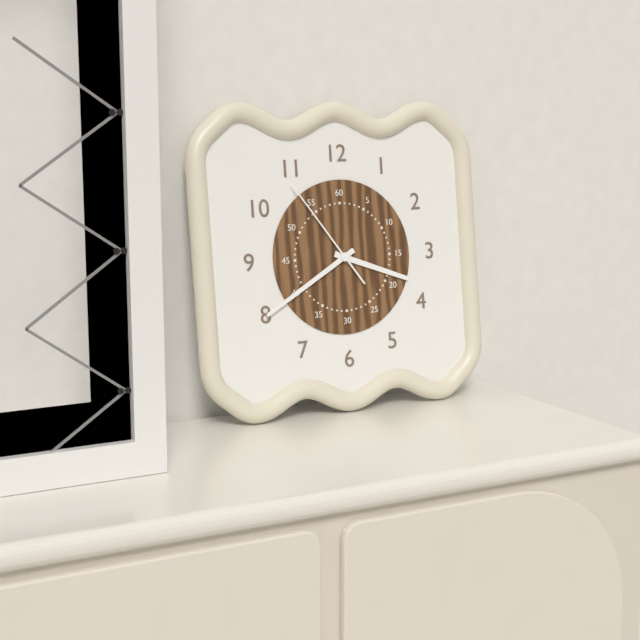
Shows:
3,40,54
